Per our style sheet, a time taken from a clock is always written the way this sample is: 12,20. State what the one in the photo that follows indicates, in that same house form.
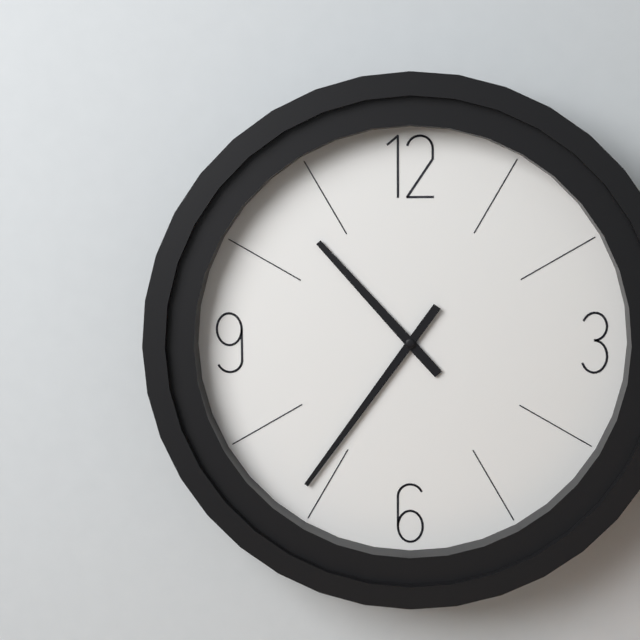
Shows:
10,36
